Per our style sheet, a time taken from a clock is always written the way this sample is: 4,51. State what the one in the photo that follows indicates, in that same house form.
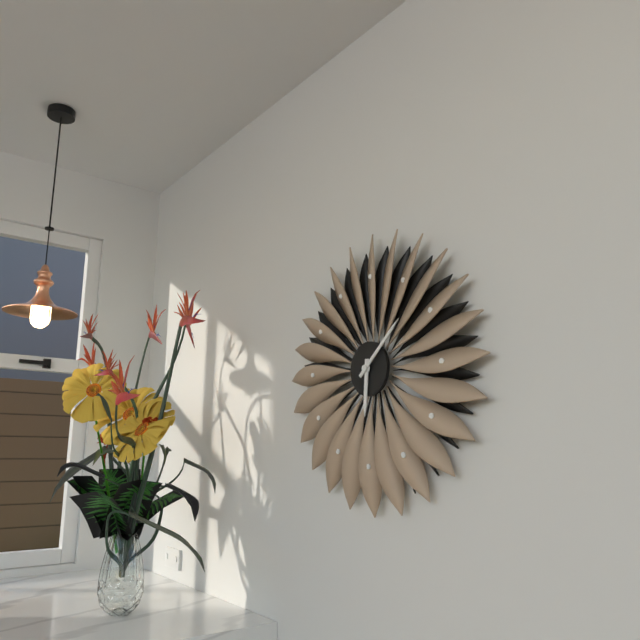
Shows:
6,08
